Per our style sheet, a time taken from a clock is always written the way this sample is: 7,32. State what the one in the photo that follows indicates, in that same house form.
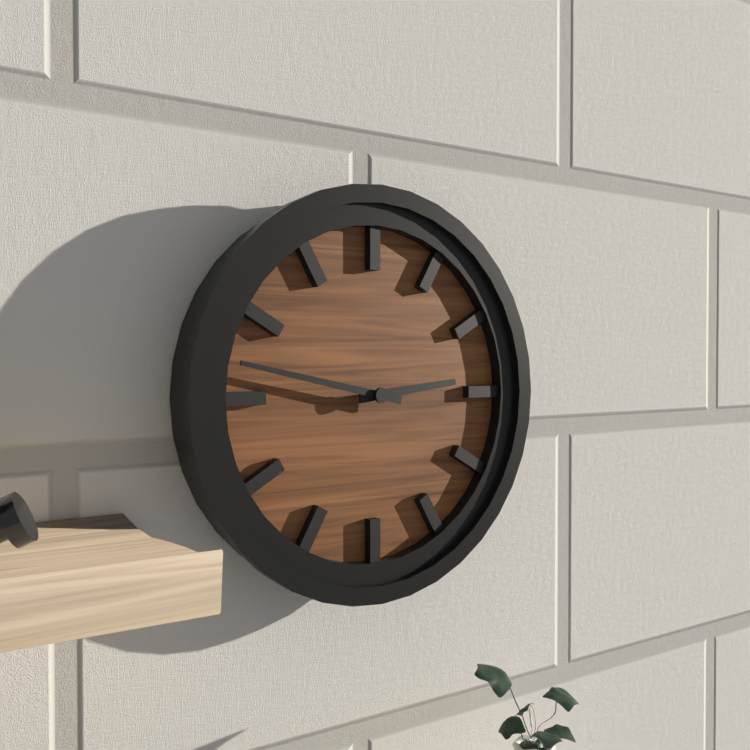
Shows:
2,47
